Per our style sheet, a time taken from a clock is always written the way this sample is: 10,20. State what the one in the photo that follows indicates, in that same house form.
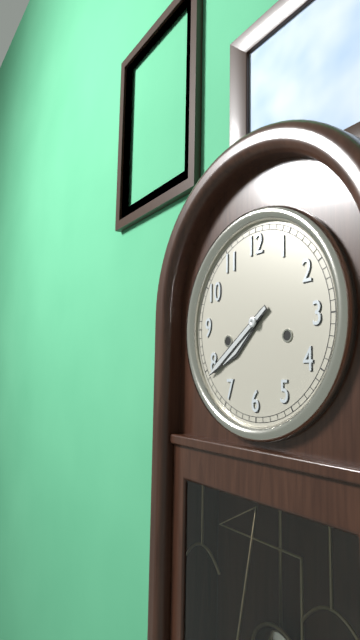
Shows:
7,39
